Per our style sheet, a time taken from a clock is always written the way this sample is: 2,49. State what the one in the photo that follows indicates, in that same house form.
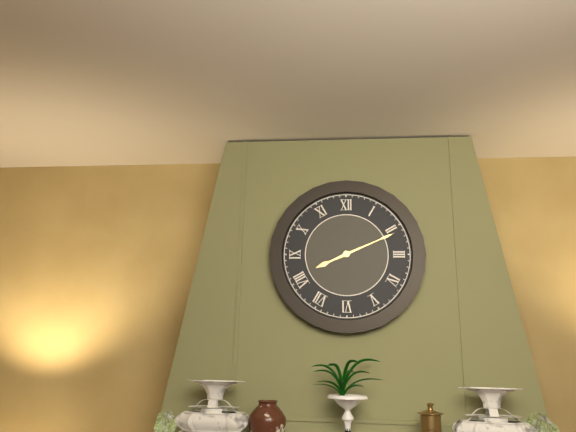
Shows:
8,11
